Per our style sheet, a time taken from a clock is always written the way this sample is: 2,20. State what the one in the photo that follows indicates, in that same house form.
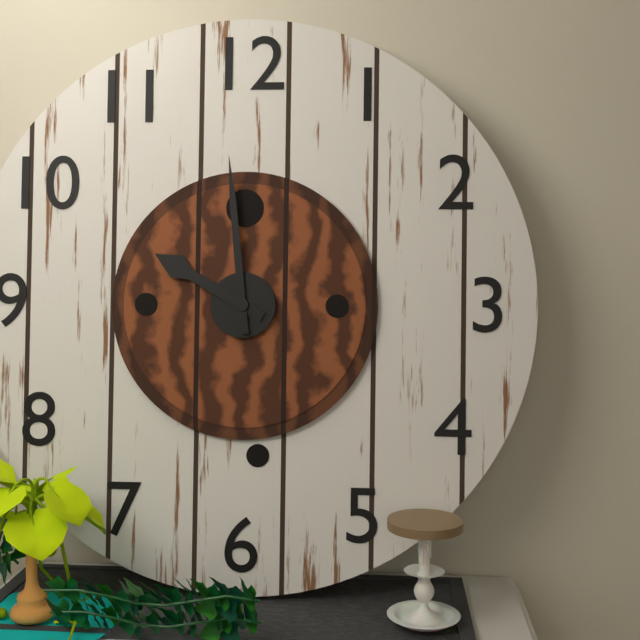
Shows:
9,59
